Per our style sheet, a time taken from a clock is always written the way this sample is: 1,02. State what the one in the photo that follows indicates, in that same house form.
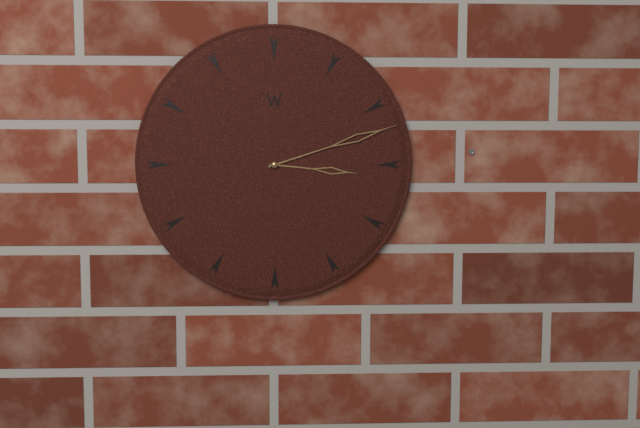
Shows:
3,12
